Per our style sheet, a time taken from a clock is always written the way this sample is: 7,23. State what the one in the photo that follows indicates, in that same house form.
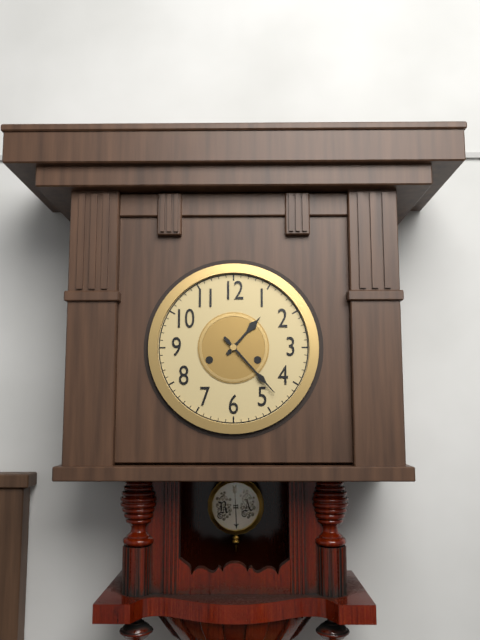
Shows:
1,23
